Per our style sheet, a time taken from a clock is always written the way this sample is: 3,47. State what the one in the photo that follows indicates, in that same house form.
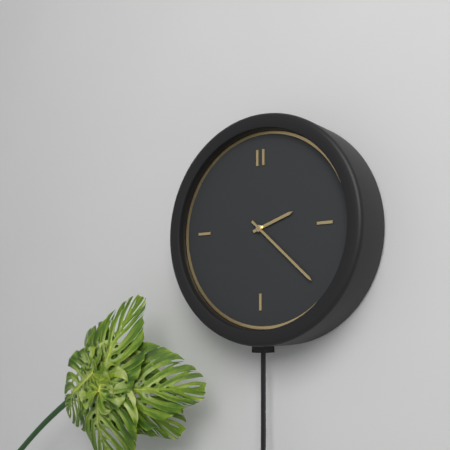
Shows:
2,22
